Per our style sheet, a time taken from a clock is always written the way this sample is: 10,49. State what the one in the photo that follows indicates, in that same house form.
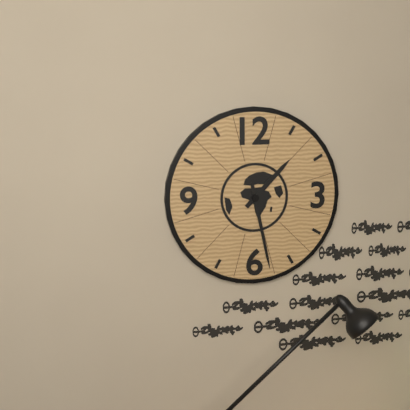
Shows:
1,28
